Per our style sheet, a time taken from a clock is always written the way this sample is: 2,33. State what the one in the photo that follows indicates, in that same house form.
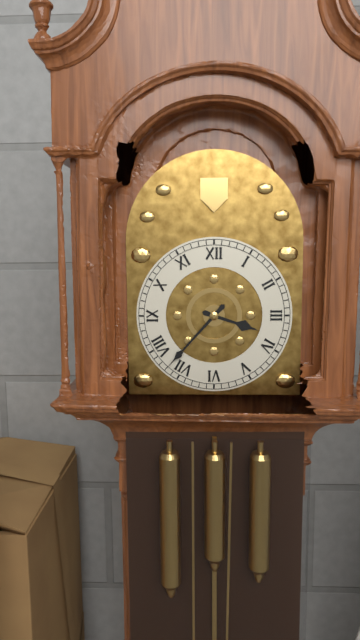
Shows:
3,37
